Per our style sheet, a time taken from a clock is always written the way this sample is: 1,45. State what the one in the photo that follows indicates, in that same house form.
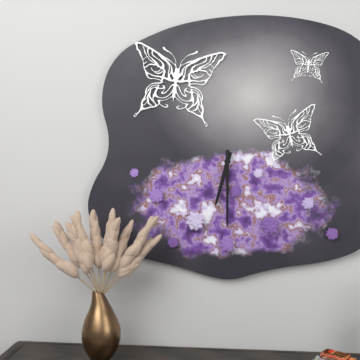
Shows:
6,30
